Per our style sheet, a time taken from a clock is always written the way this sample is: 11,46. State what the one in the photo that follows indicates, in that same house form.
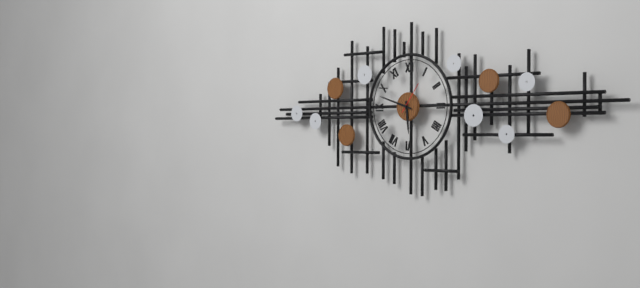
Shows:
5,48
